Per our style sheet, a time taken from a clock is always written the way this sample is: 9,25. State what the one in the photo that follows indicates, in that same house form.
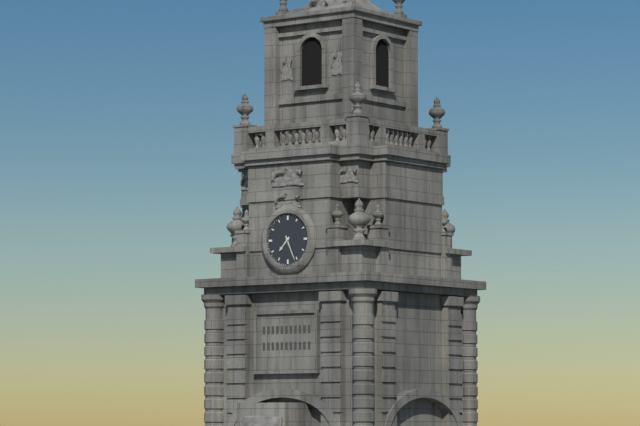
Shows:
7,26
